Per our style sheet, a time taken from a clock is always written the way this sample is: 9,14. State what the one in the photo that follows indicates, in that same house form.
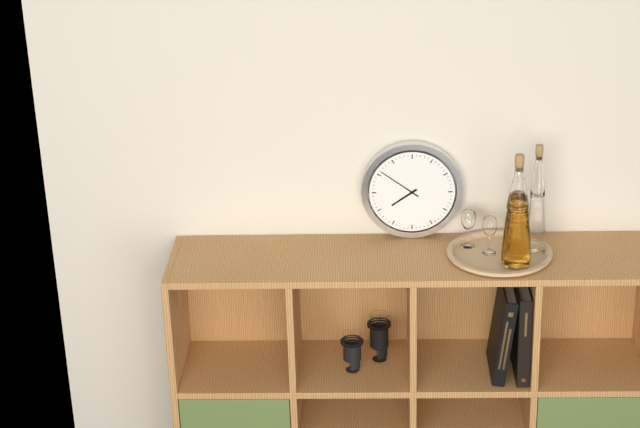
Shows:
7,51
